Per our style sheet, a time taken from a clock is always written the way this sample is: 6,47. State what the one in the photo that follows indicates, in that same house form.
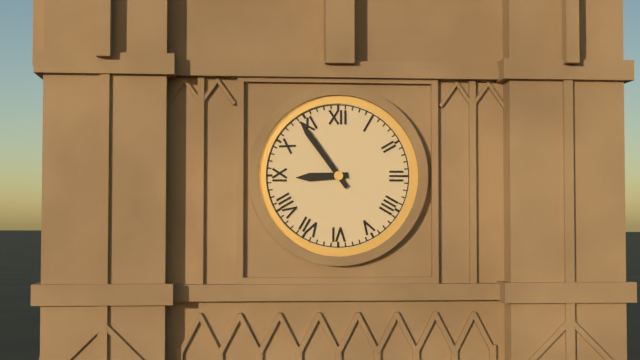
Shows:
8,54
